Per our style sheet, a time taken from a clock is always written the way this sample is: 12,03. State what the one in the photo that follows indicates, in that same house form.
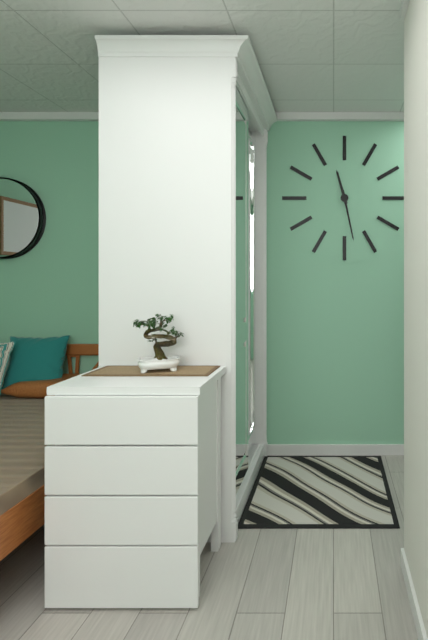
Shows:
11,28
